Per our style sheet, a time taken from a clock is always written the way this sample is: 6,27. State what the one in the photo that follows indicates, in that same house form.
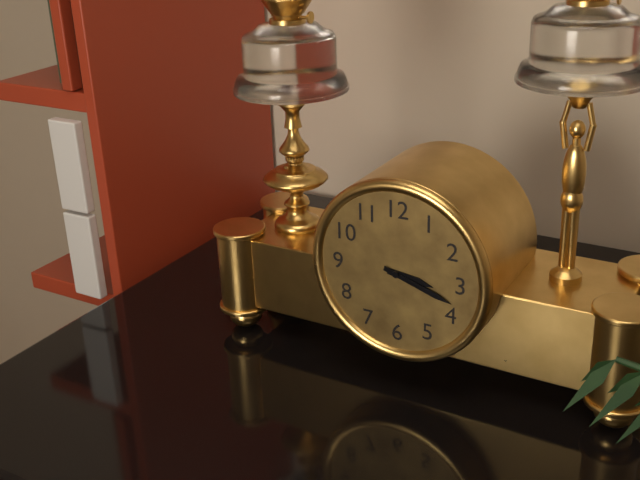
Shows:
3,18
